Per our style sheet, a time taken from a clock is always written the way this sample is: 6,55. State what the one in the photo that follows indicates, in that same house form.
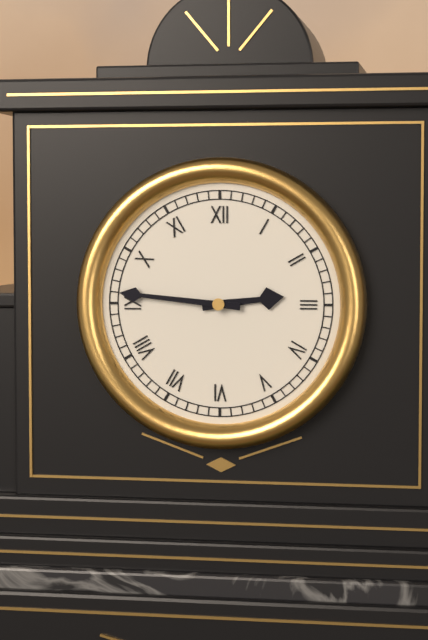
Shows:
2,46
